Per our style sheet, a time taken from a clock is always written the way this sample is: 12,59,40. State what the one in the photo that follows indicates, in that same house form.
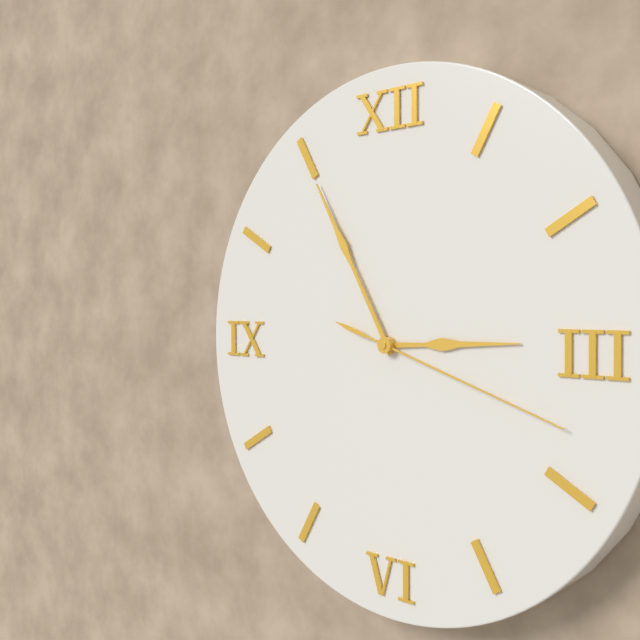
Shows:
2,55,18
